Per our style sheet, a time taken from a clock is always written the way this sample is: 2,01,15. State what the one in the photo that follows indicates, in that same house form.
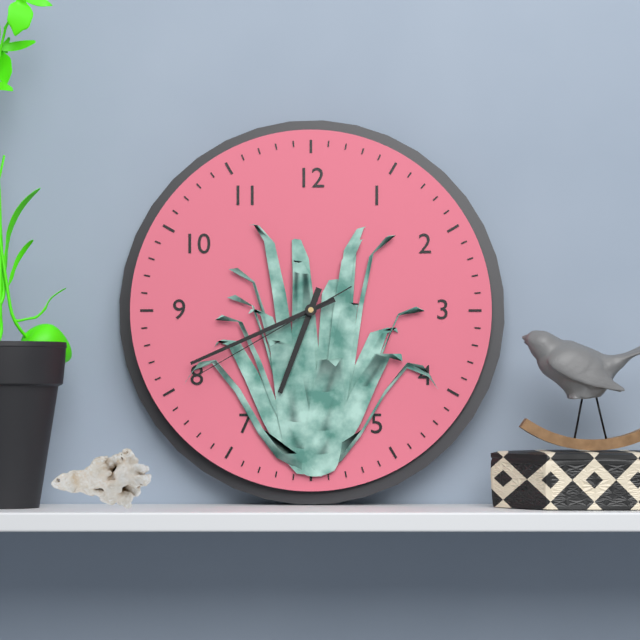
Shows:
6,41,40
